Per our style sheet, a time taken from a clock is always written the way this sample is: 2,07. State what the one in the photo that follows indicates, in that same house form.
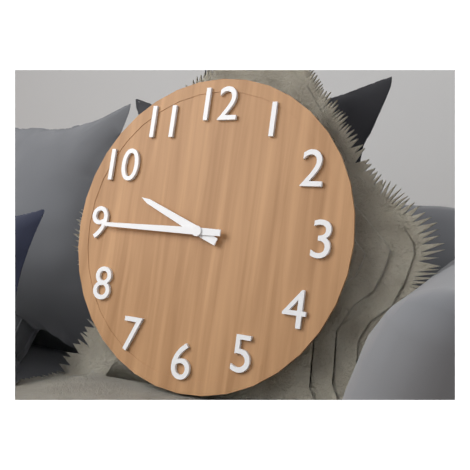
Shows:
9,45
